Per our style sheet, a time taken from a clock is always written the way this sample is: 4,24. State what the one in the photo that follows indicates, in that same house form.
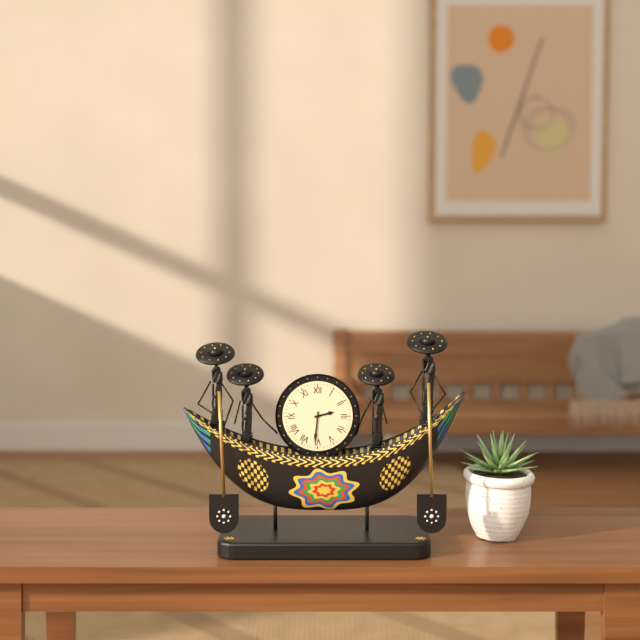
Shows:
2,31
